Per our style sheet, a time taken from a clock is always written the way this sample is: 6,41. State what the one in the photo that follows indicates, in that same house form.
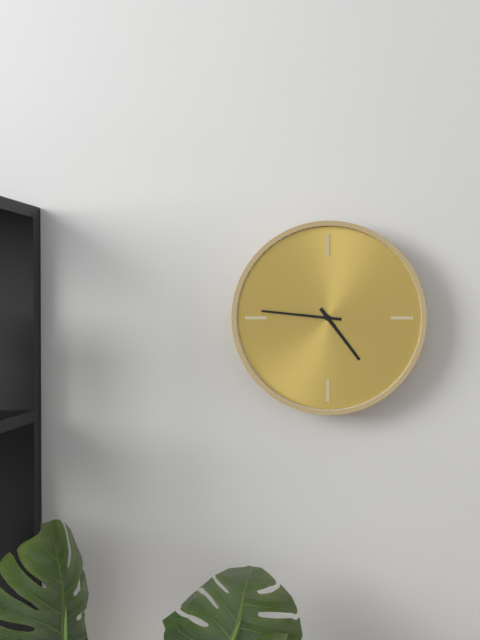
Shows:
4,46
